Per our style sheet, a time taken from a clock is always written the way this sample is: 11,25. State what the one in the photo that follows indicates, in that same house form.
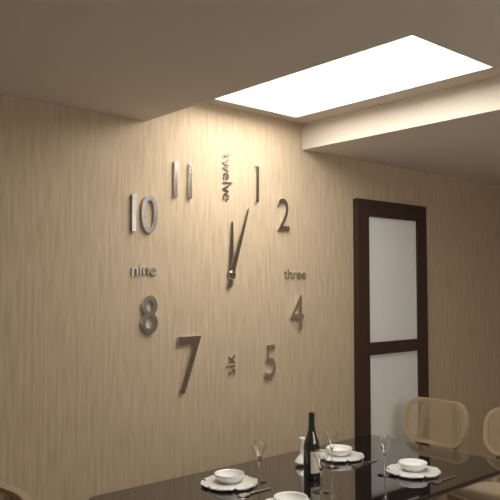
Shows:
12,03
